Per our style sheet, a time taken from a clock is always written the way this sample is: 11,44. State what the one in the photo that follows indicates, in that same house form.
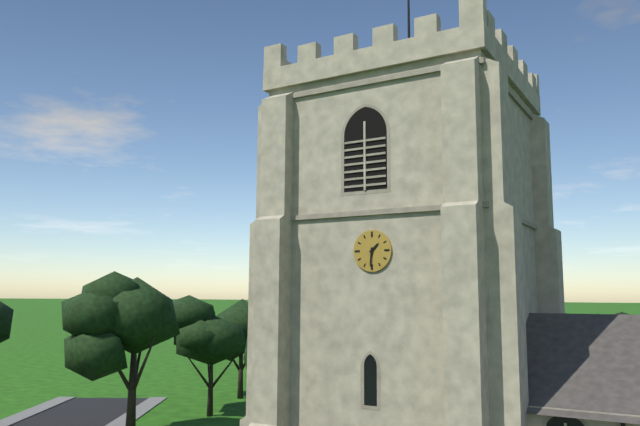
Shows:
1,31
